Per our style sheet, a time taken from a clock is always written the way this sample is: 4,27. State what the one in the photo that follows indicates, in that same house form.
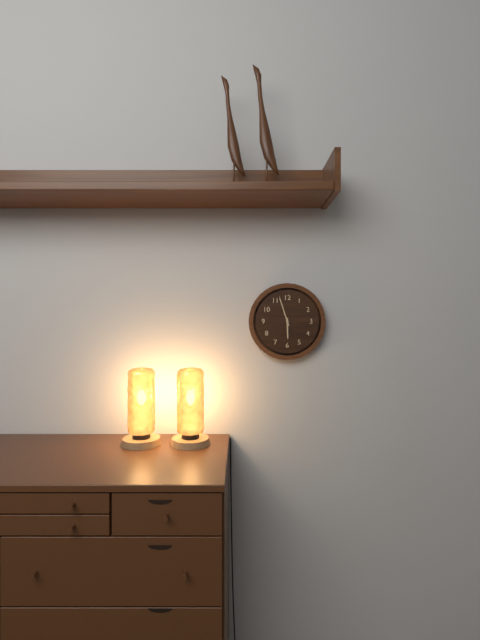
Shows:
5,57
